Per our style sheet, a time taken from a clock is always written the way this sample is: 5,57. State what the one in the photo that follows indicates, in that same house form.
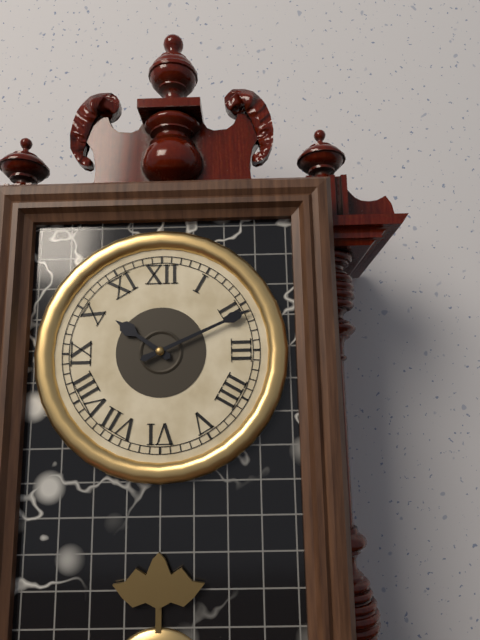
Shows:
10,11
